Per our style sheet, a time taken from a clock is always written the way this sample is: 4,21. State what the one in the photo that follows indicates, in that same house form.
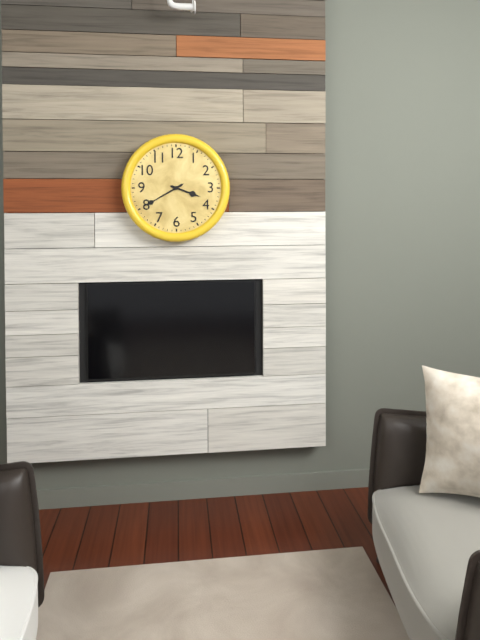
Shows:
3,40
